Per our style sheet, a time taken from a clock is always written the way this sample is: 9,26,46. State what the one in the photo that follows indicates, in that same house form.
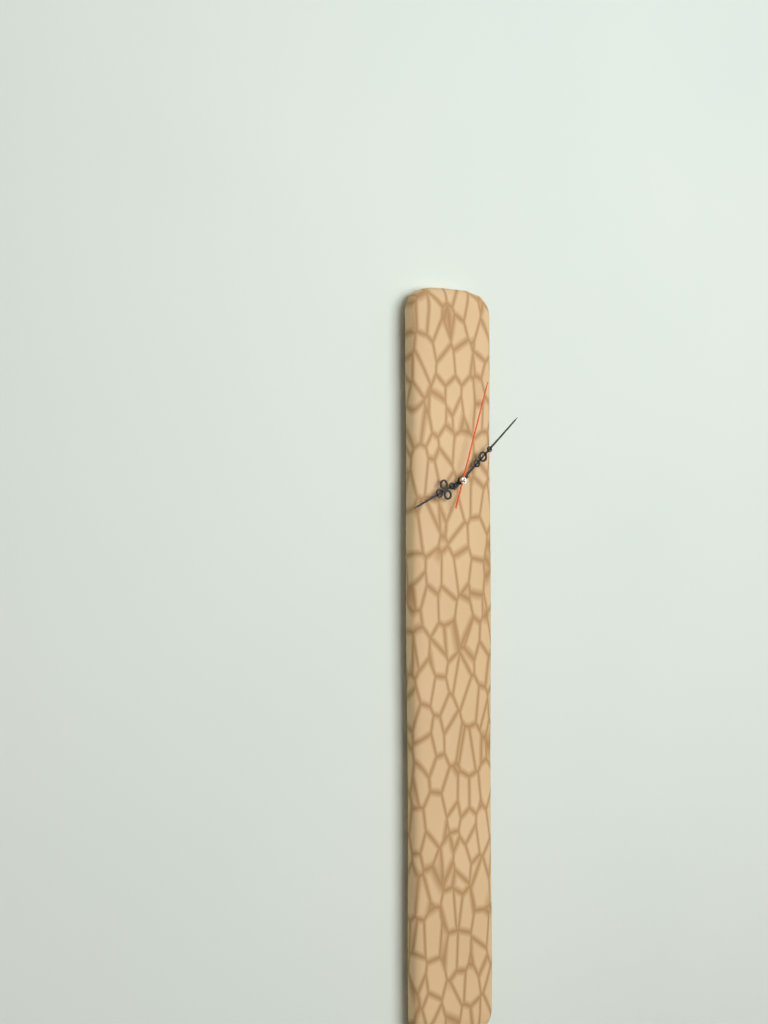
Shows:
8,08,03
